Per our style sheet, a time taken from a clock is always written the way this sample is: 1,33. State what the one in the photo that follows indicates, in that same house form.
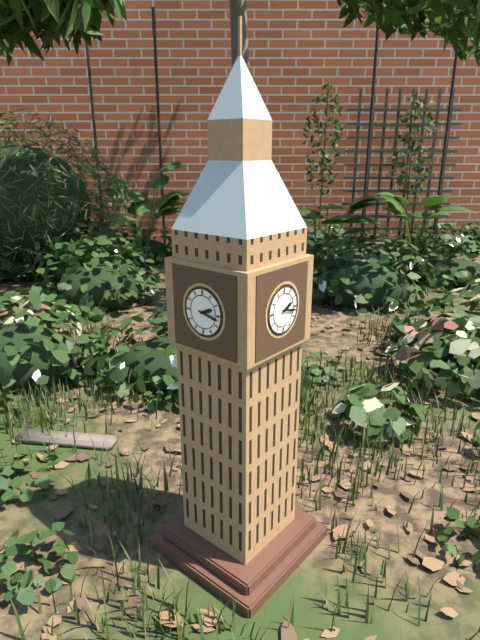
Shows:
2,17
